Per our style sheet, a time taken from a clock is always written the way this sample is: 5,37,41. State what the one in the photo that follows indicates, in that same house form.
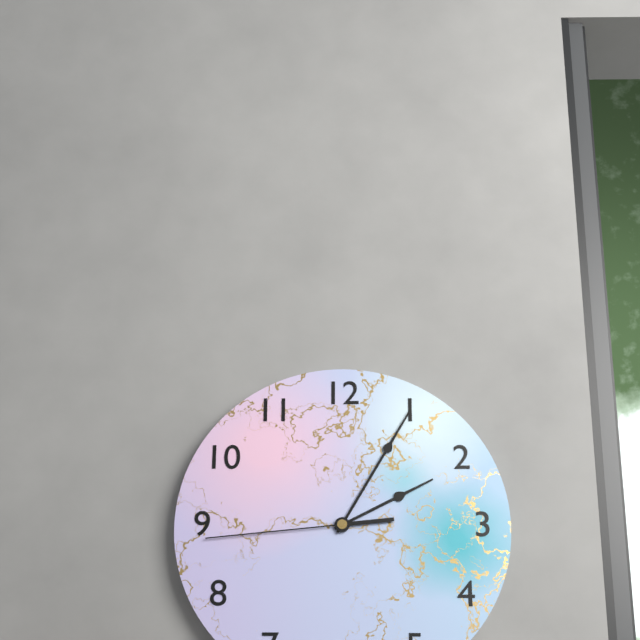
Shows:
2,05,44
